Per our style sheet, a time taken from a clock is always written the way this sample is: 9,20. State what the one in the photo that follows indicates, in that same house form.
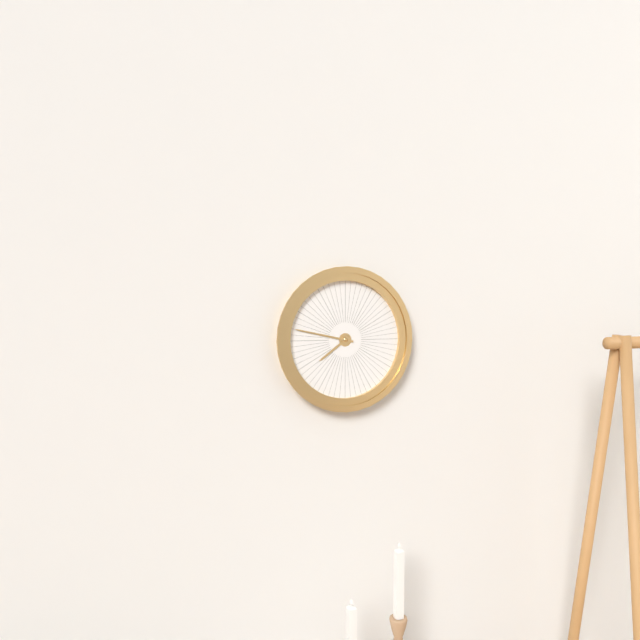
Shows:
7,47
